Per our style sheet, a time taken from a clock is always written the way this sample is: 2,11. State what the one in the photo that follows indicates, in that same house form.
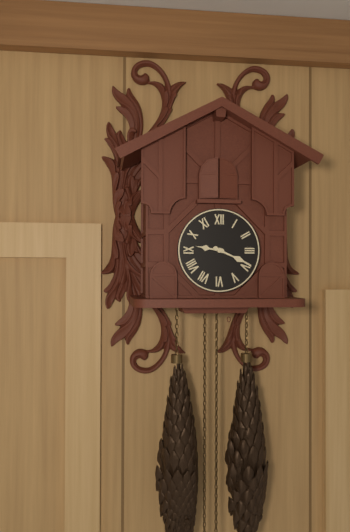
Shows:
9,19
